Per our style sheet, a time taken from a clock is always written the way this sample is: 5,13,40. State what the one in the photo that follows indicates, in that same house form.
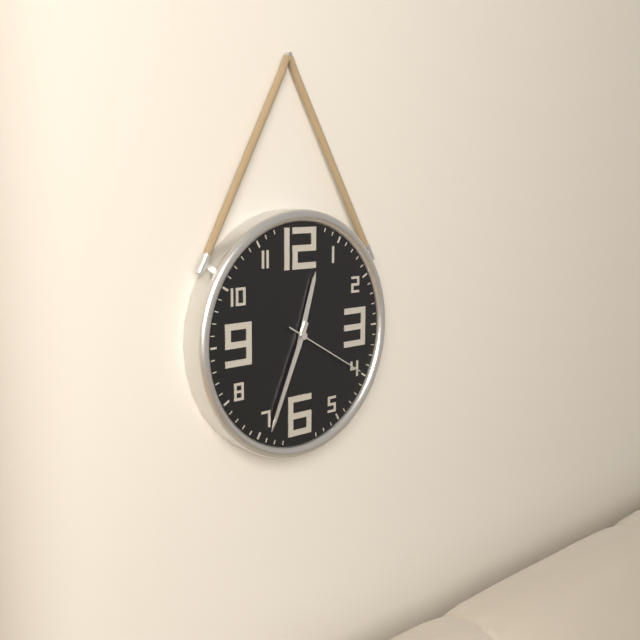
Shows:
12,34,20
